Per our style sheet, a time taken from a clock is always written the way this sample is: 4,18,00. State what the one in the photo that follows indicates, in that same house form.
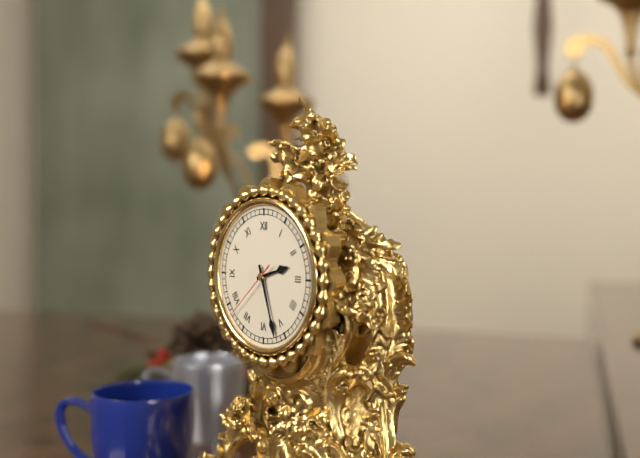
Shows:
2,27,38
